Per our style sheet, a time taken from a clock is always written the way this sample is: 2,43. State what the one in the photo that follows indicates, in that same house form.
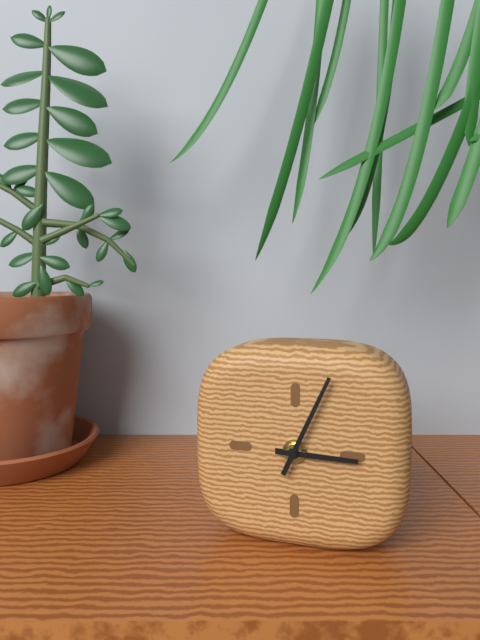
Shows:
3,04
